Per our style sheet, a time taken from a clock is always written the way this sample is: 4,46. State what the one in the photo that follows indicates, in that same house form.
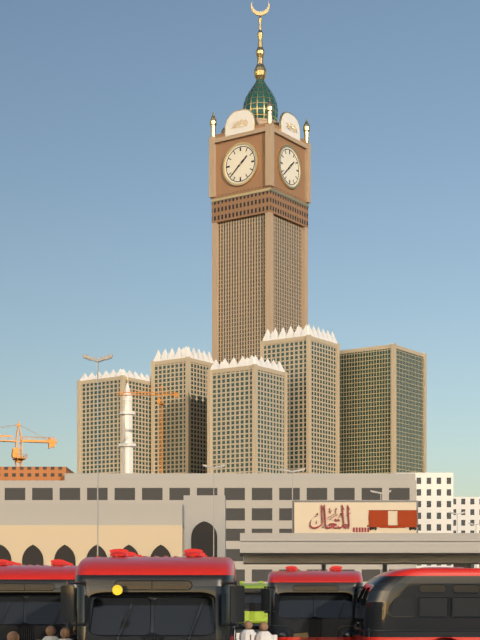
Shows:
1,38
